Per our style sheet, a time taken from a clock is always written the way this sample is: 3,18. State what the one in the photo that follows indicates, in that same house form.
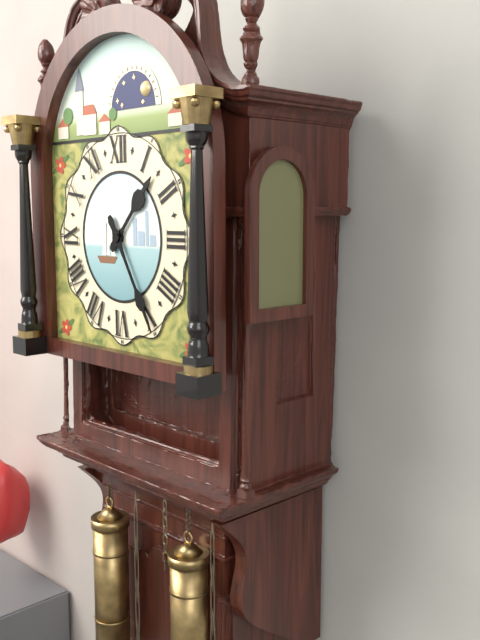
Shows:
1,25
